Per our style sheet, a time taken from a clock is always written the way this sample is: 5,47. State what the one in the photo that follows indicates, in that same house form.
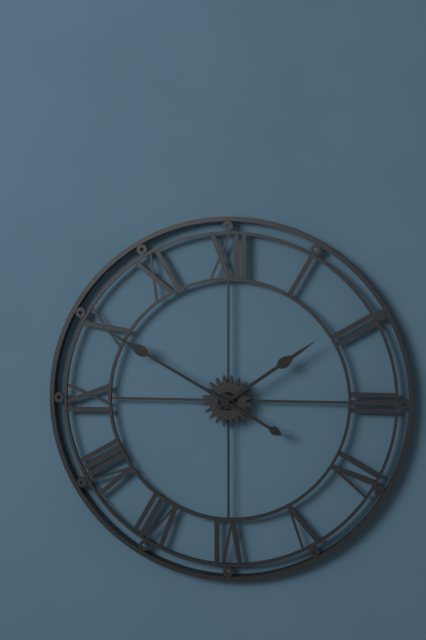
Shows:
1,50
